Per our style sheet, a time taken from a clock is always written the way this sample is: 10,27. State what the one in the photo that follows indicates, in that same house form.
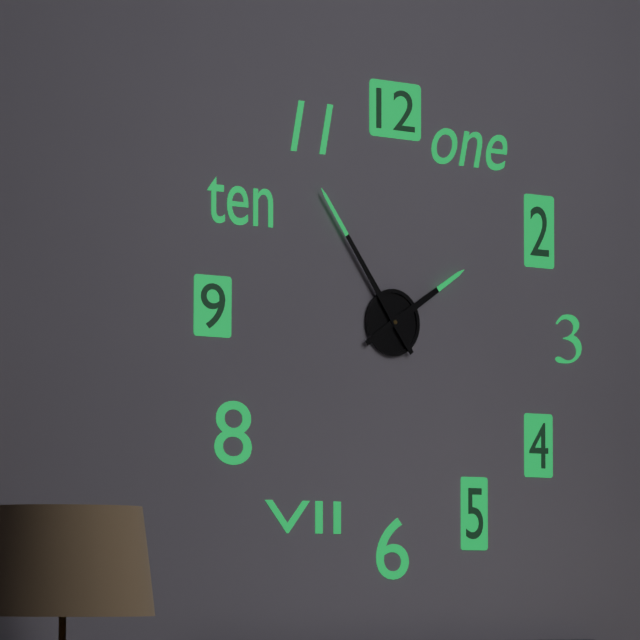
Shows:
1,54
